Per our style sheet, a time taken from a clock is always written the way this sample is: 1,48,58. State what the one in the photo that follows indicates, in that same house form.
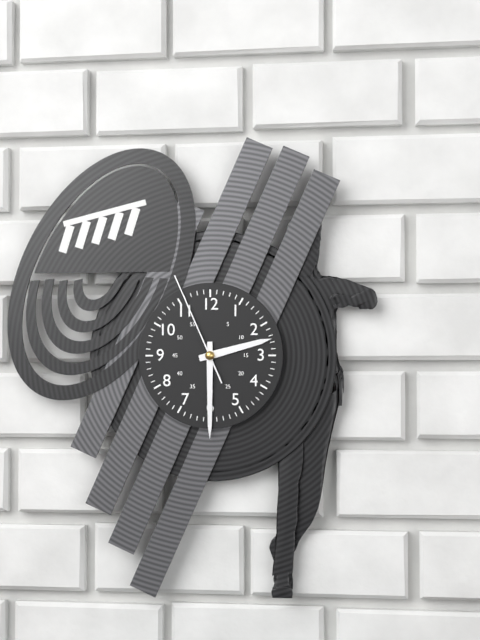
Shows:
2,30,56
